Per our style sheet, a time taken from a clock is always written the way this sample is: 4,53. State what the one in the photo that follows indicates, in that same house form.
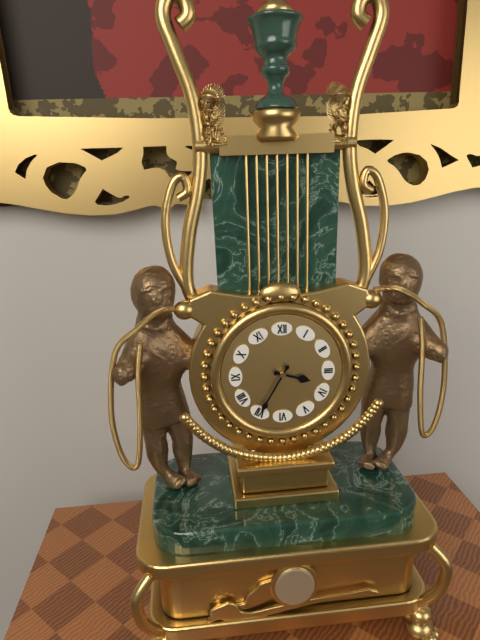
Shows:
3,35
